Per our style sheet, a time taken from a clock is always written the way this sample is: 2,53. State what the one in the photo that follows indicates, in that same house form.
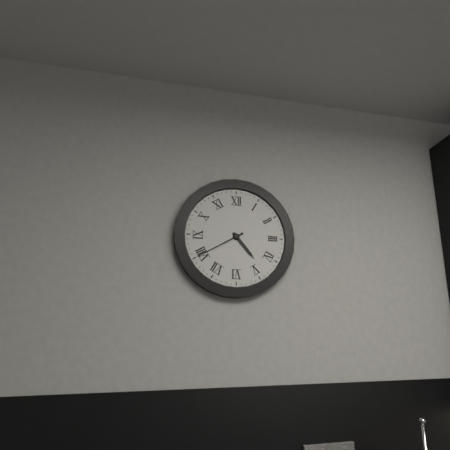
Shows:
4,40
